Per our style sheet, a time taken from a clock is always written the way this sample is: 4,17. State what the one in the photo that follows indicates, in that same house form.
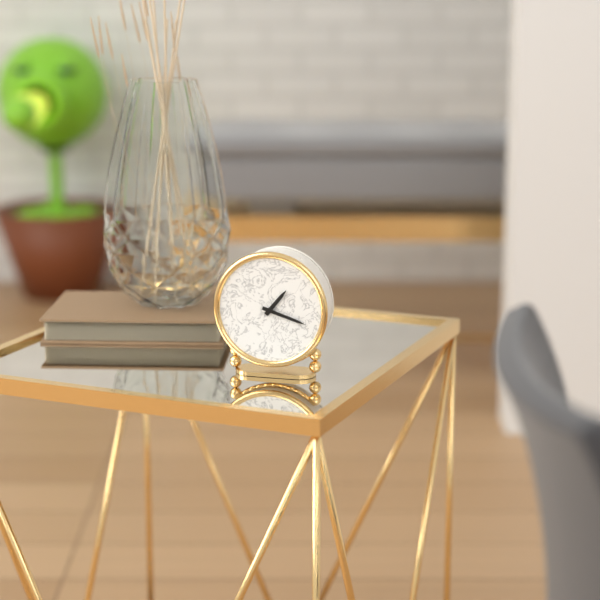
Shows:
1,18
